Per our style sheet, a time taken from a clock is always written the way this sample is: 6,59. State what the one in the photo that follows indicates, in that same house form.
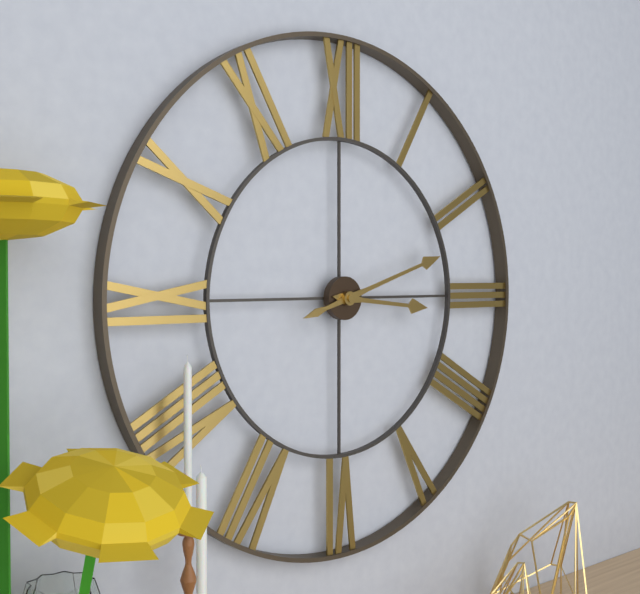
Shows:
3,12
